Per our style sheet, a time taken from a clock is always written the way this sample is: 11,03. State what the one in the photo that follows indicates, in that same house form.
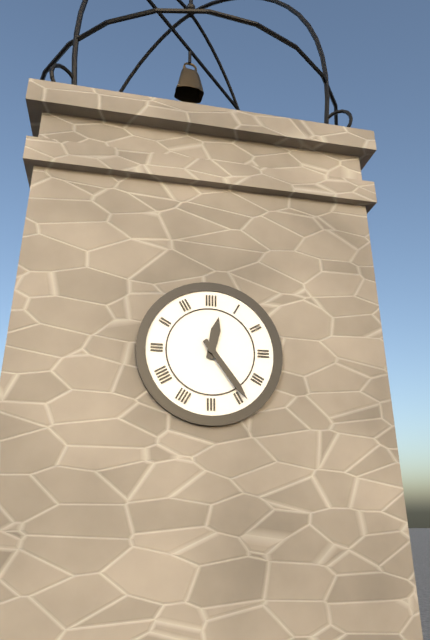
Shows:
12,24
